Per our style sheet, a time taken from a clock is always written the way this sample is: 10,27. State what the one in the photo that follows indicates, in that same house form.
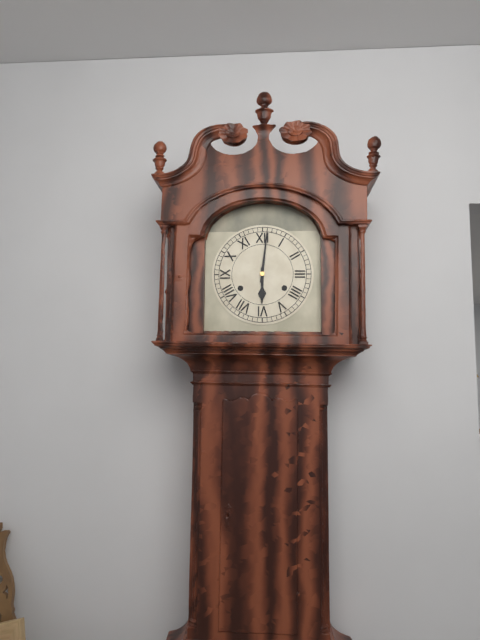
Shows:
6,01
